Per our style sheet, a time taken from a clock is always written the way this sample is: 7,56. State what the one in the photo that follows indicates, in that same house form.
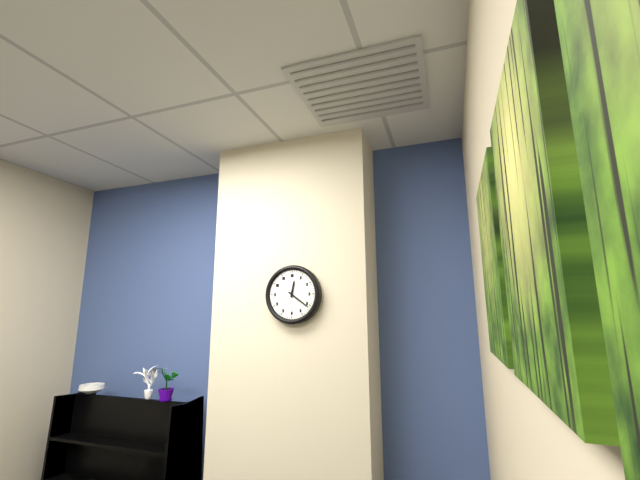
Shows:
12,21
